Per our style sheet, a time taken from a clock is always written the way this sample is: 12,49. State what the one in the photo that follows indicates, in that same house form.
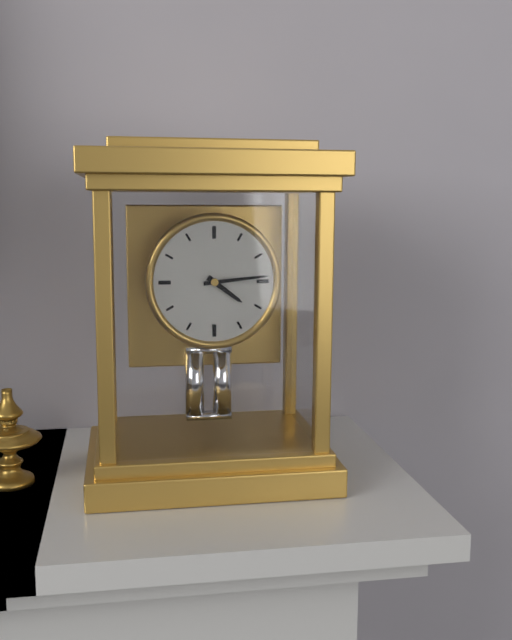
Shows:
4,14
